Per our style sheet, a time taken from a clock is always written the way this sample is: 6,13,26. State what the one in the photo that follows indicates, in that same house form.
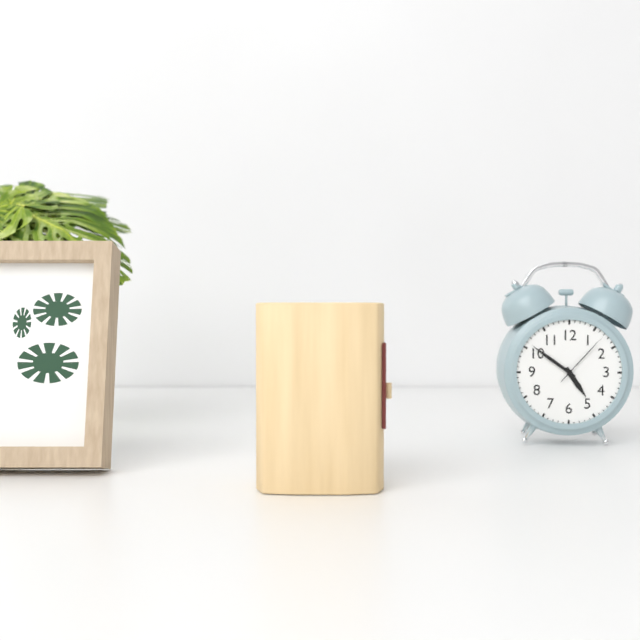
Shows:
4,51,07
